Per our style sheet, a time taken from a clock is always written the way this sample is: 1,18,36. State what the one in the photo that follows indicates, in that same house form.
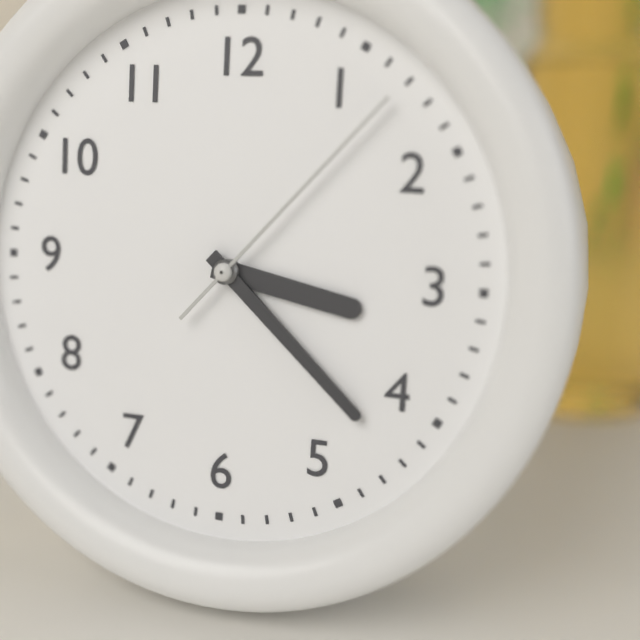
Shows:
3,22,07
